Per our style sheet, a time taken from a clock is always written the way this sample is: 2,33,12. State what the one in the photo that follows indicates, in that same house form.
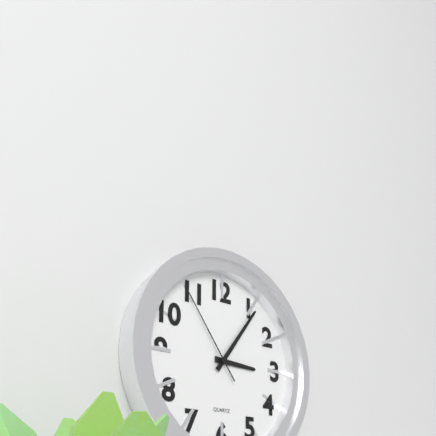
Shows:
3,06,54
